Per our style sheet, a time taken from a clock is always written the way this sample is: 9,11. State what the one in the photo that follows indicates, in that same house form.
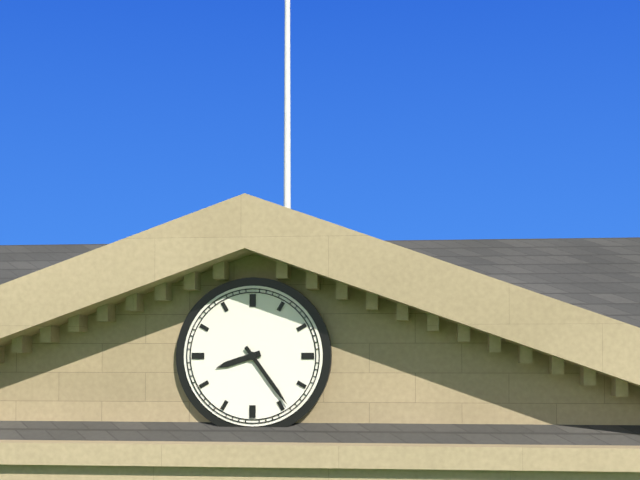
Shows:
8,24
